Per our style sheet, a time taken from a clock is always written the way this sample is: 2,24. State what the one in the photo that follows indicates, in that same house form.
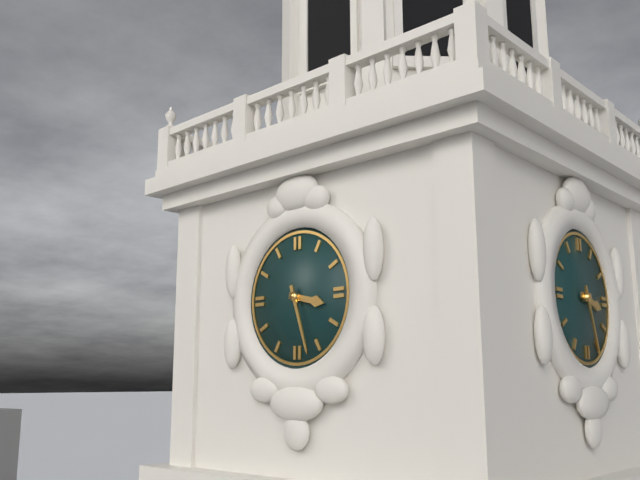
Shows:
3,27
